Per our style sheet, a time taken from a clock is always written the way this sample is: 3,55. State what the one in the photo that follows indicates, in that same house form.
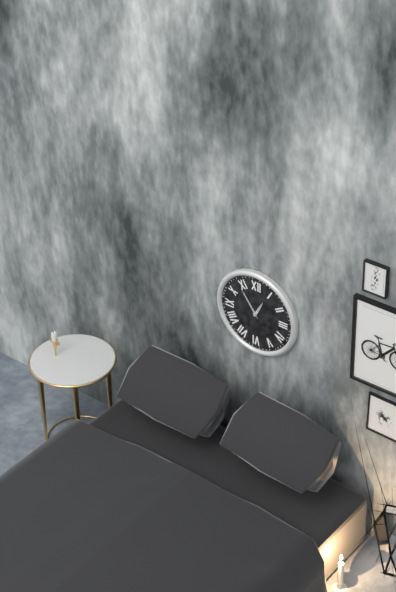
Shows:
12,54
